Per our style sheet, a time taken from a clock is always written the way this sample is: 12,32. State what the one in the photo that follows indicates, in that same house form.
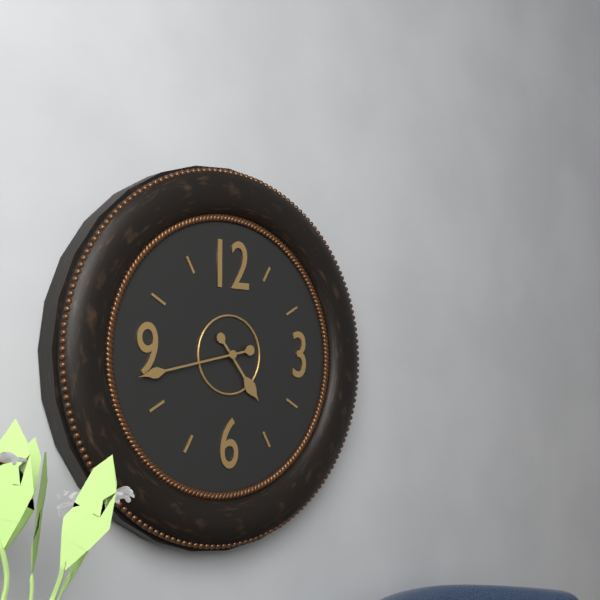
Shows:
4,43
